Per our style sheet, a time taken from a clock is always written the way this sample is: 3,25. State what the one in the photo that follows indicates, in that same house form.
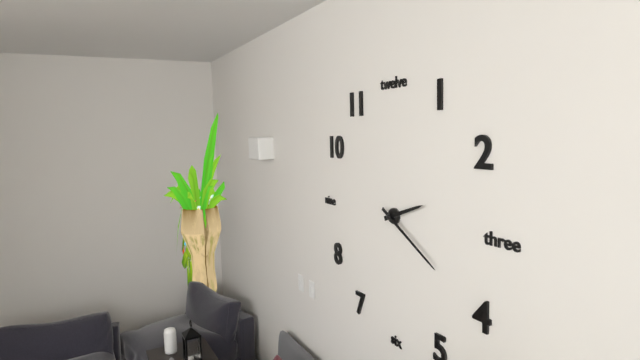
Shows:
2,20
